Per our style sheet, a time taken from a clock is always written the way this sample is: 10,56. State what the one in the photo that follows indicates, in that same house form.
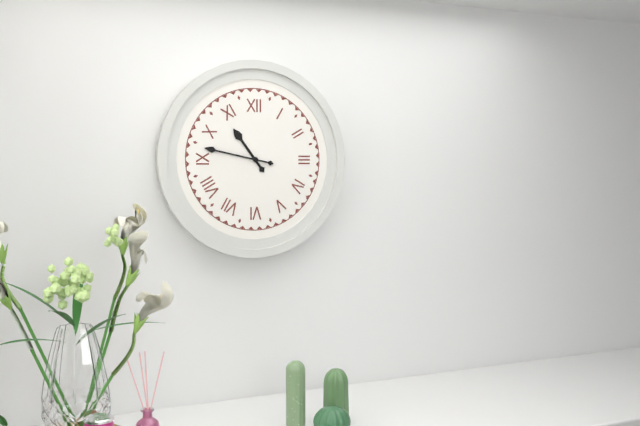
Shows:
10,47
